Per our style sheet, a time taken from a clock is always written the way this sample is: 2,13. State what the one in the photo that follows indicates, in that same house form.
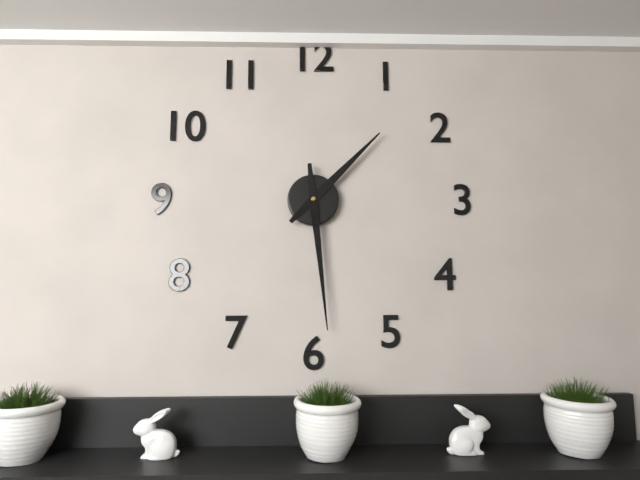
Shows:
1,29
